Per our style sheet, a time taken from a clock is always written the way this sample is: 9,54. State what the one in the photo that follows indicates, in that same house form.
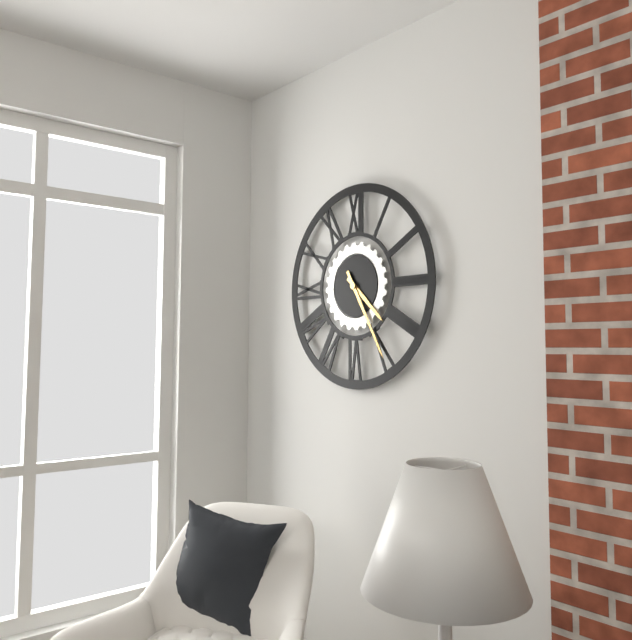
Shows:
4,25
